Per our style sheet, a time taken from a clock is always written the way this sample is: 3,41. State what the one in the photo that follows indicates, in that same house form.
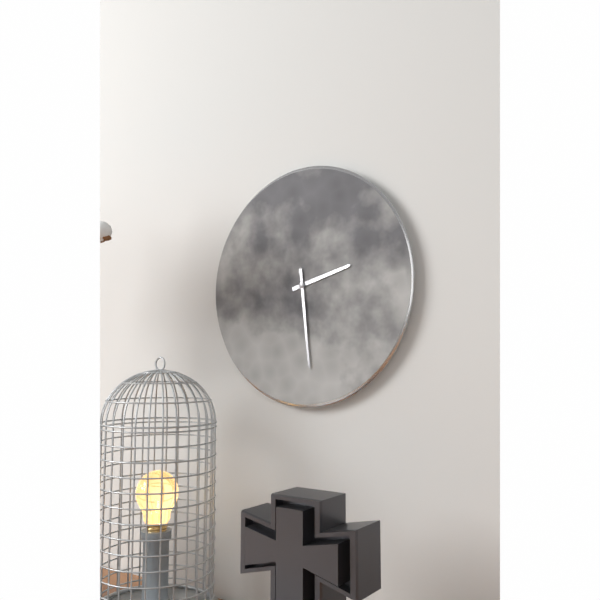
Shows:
2,29
